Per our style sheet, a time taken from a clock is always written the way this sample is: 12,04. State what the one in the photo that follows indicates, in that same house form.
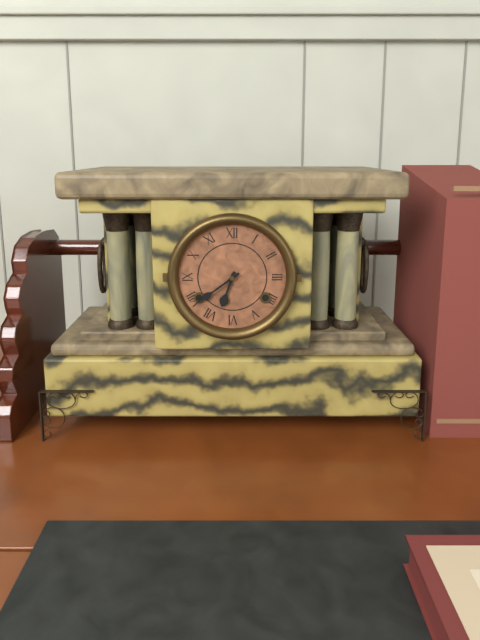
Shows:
6,39
